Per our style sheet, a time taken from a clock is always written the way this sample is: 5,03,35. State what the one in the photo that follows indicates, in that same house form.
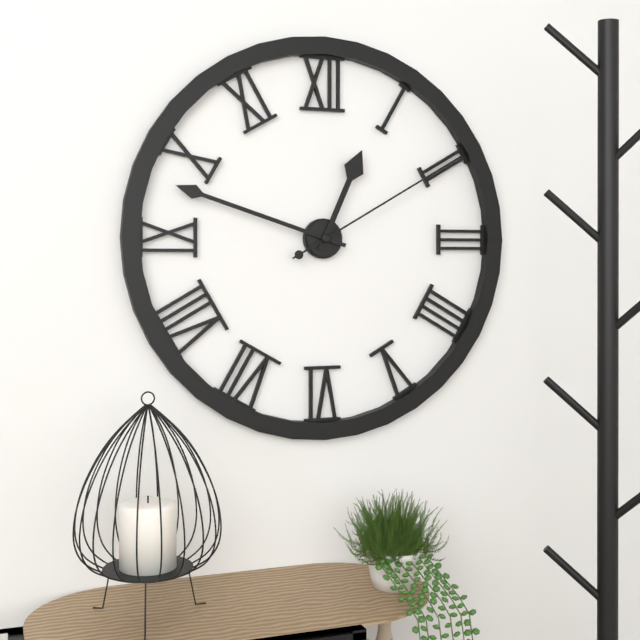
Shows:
12,48,10
